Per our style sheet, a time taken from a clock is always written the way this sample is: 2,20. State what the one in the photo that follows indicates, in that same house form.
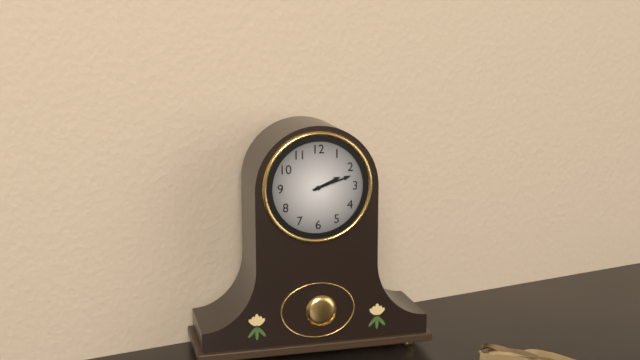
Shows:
2,12
